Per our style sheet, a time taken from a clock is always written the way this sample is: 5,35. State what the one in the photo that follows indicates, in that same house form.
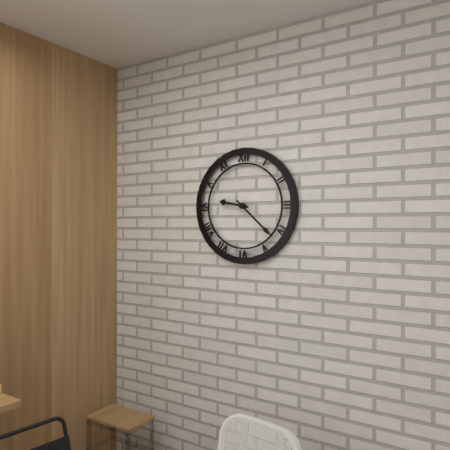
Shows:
9,22
